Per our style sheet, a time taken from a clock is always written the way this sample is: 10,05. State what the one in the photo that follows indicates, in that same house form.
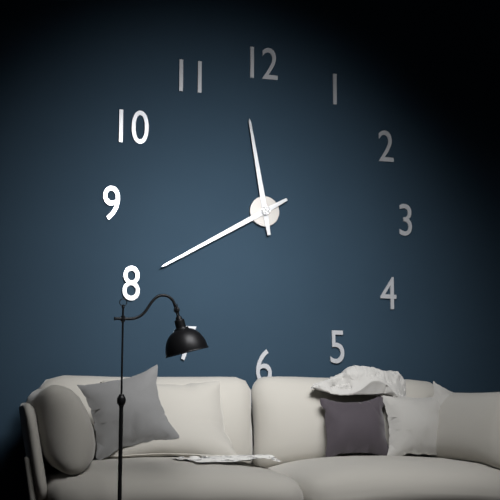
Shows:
11,40
